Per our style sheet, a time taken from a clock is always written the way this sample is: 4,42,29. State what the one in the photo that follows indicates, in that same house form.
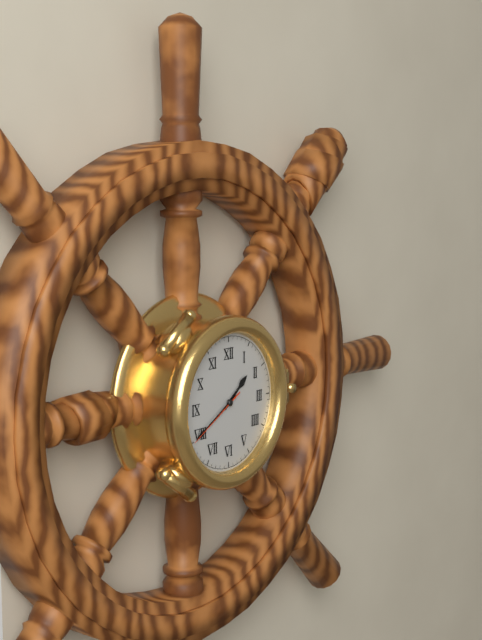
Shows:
1,40,40
